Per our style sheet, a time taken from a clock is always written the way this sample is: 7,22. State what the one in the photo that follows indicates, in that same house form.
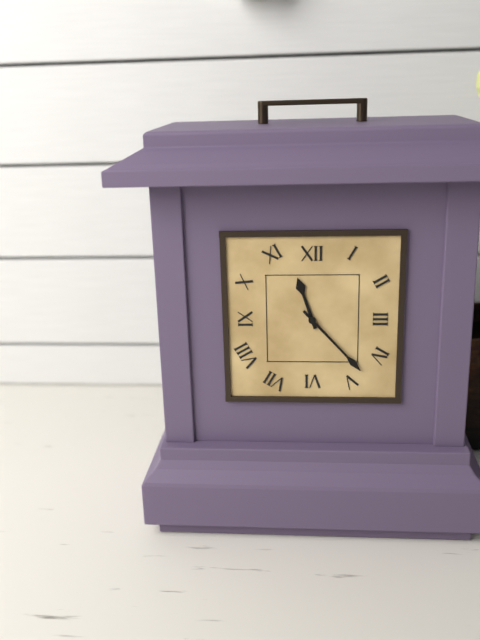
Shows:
11,23
